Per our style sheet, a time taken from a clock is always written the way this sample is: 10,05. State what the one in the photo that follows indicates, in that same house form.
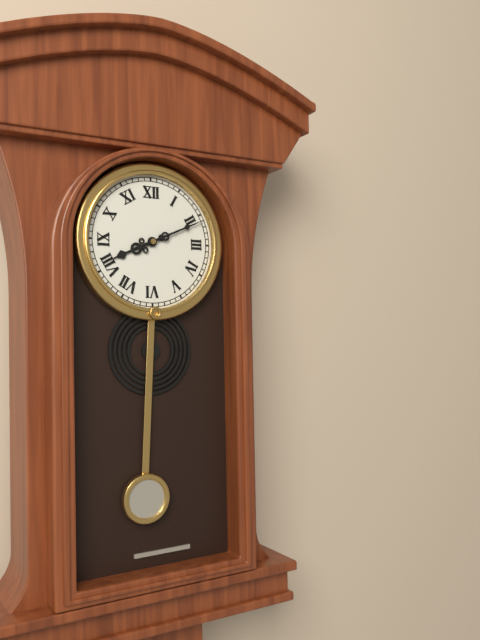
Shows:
8,11
